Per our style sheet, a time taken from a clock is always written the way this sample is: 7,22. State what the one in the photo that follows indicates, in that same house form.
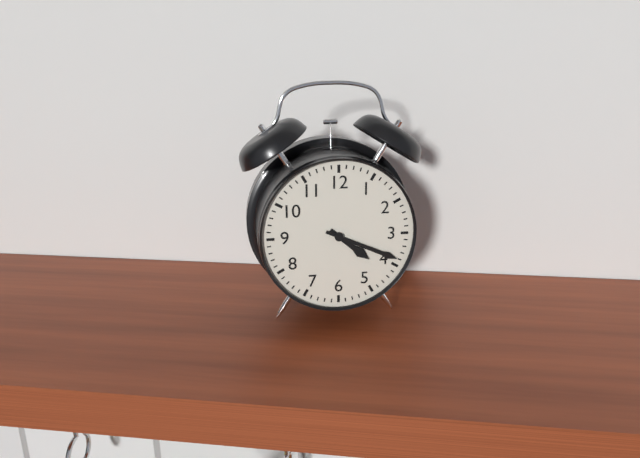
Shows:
4,19
